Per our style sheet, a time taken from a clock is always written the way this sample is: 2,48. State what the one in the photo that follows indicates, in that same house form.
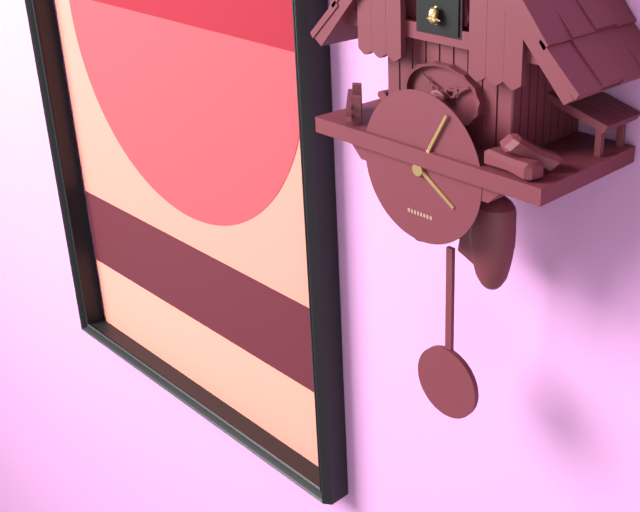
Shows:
4,05
